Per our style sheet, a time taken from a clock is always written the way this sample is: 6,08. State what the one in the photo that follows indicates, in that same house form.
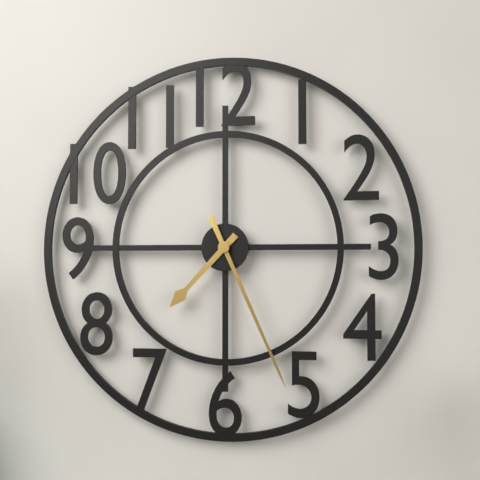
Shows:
7,26
